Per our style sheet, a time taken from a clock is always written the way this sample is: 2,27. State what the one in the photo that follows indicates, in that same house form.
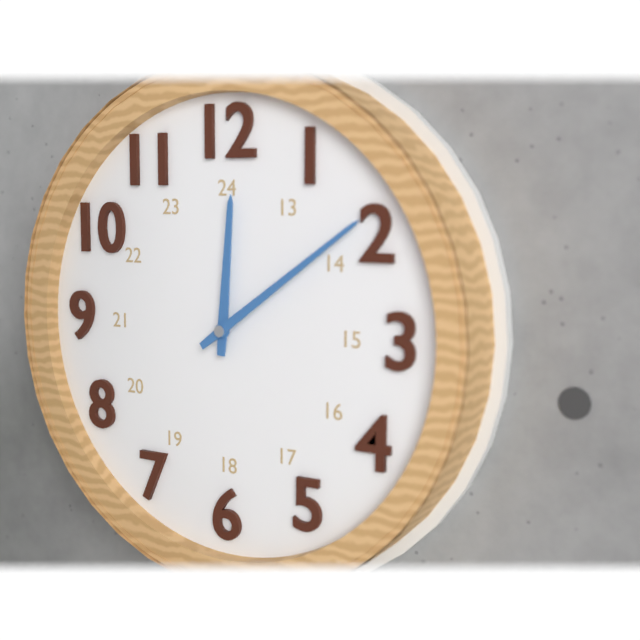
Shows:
12,09
